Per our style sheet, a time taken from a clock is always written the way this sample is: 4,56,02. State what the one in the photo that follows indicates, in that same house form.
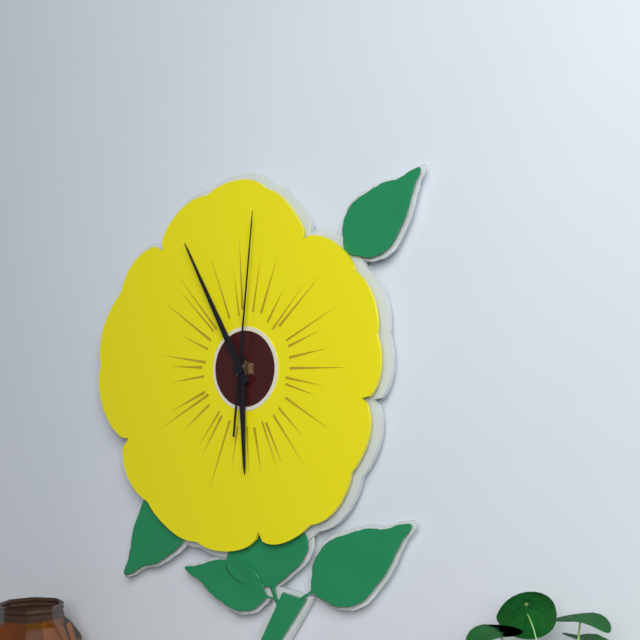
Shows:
5,55,01
